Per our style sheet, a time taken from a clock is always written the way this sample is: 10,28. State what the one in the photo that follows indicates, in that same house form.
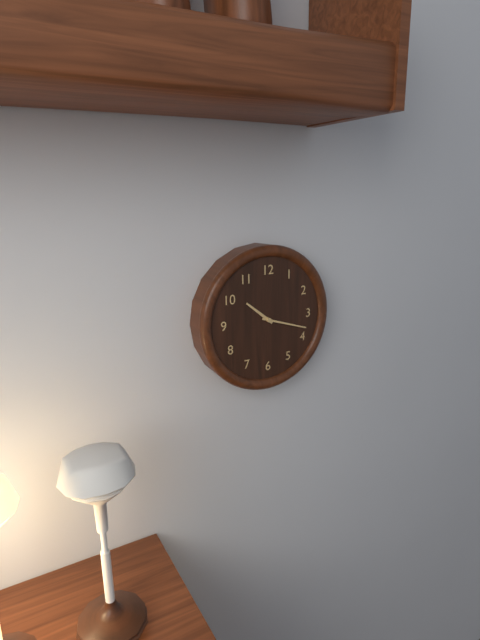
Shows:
10,18
